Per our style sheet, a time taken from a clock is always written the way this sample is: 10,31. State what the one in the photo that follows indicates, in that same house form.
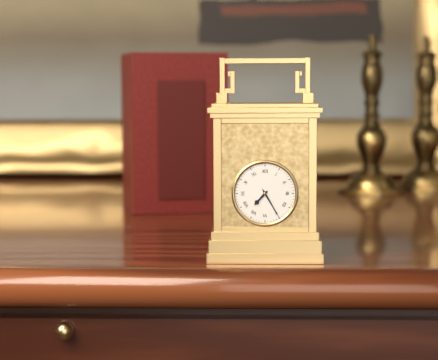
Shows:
7,25
